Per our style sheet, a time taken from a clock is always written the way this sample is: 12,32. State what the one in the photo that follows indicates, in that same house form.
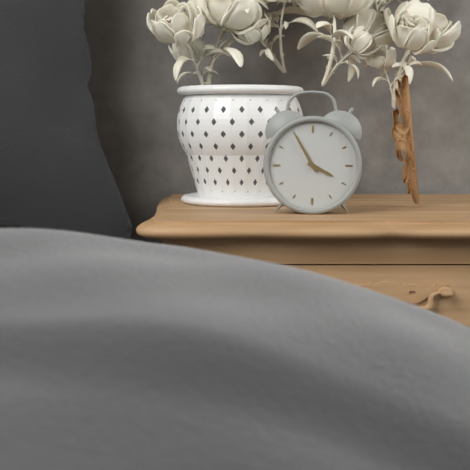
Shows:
3,55
